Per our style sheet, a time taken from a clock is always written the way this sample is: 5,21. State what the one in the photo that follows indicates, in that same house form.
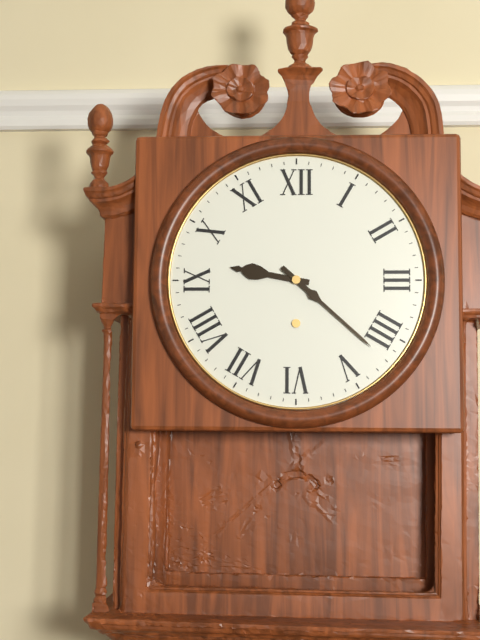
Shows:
9,22
